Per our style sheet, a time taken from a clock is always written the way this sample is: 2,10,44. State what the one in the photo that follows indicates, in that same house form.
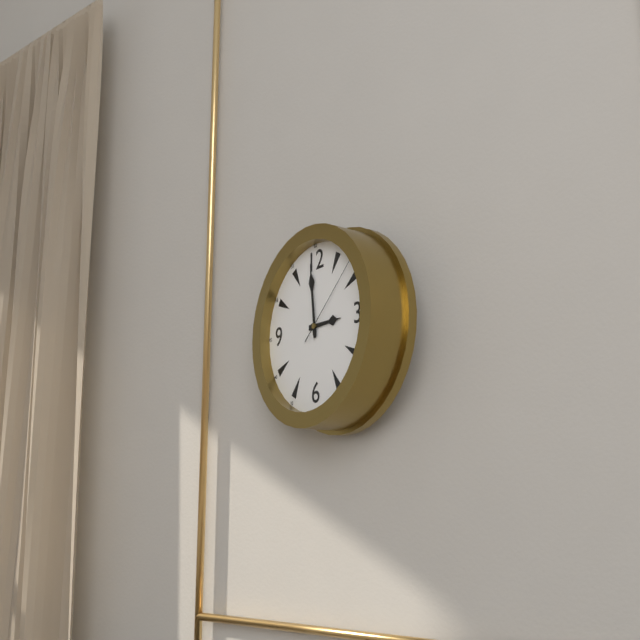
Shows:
2,59,08
